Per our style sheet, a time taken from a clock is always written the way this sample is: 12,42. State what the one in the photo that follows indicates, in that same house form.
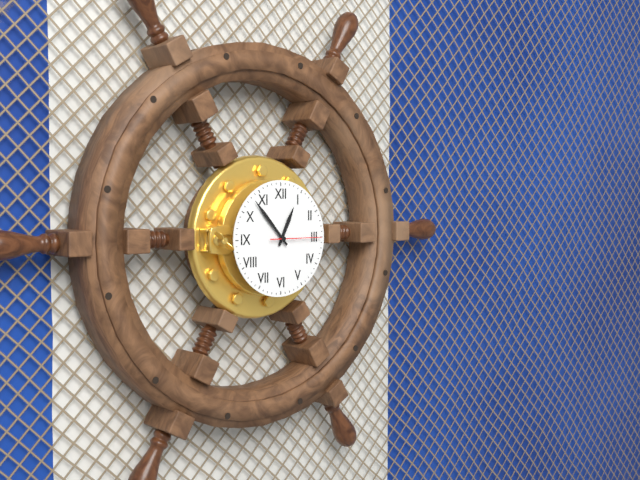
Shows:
12,53
